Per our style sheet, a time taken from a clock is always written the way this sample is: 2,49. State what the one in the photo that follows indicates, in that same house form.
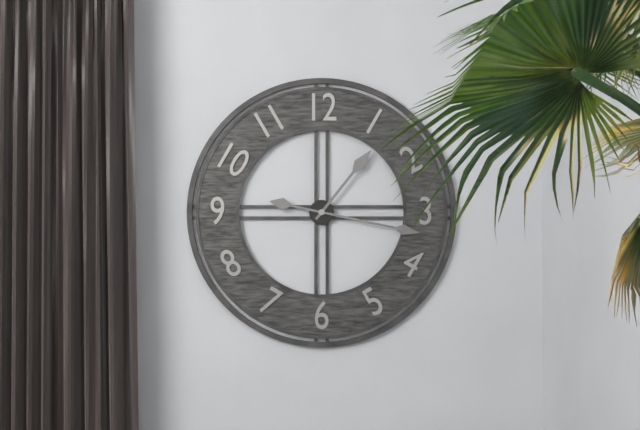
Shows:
1,17
